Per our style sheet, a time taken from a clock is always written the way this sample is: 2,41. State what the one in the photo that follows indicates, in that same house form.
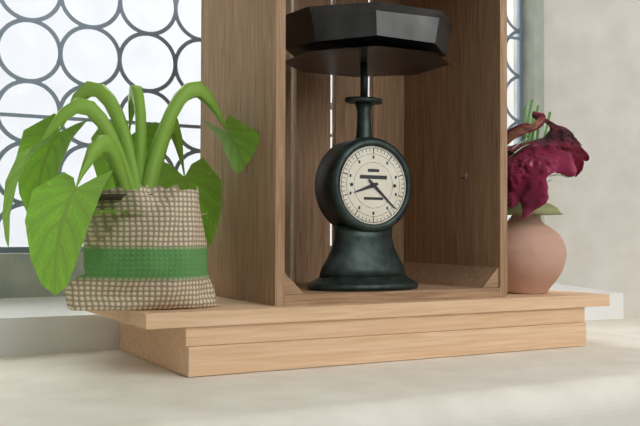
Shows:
8,22
